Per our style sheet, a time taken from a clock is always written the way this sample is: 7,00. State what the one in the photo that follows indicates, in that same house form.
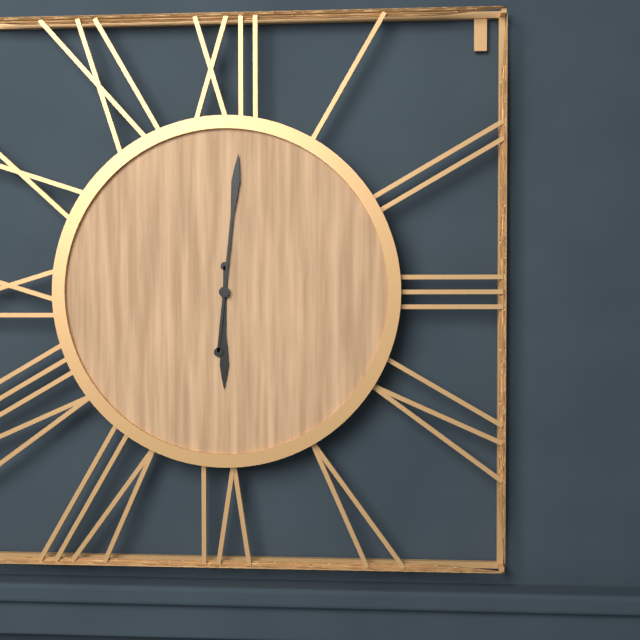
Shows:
6,01
